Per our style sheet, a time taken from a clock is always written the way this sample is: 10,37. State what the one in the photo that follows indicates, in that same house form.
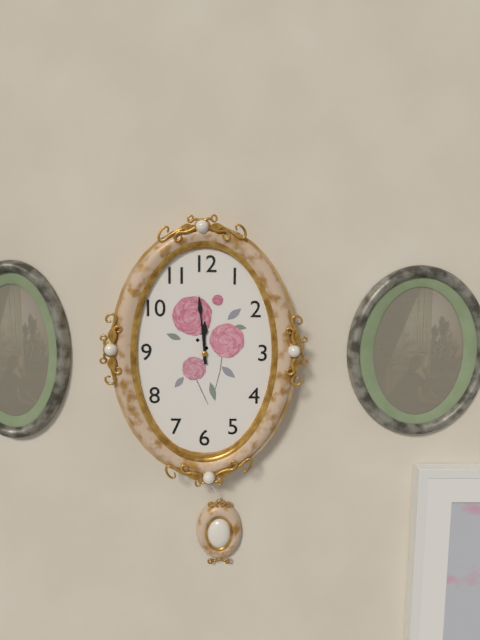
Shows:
11,59
